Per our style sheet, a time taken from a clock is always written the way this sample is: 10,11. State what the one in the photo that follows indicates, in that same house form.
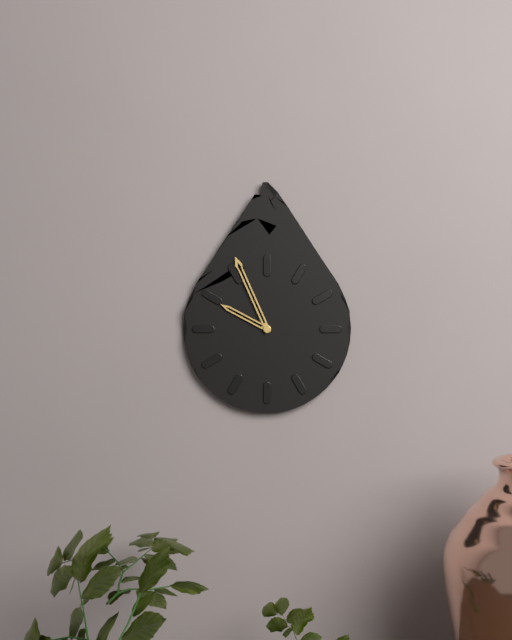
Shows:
9,56
